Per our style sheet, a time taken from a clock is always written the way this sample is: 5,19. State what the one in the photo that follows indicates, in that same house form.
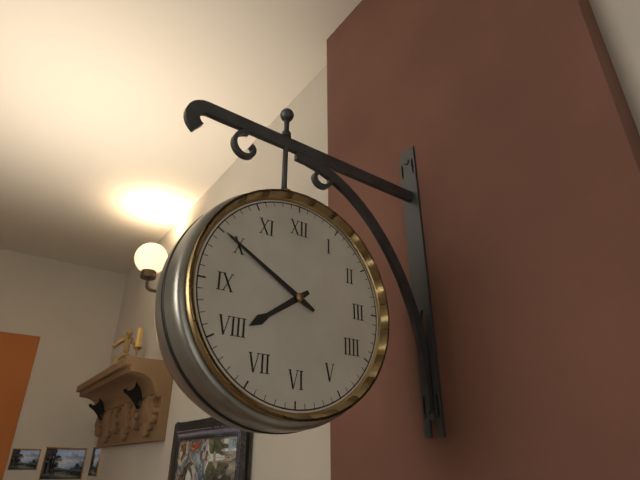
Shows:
7,50
